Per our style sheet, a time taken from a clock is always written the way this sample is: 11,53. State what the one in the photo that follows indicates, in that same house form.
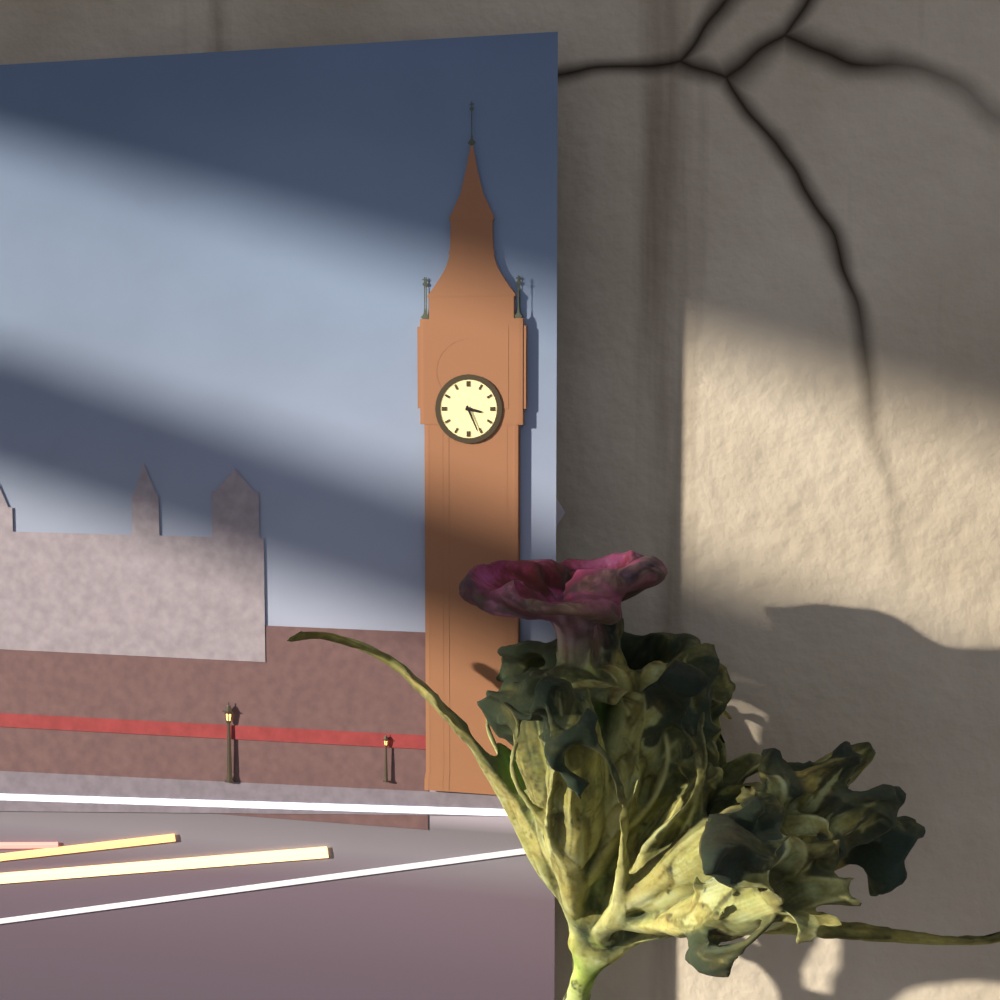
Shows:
3,26
